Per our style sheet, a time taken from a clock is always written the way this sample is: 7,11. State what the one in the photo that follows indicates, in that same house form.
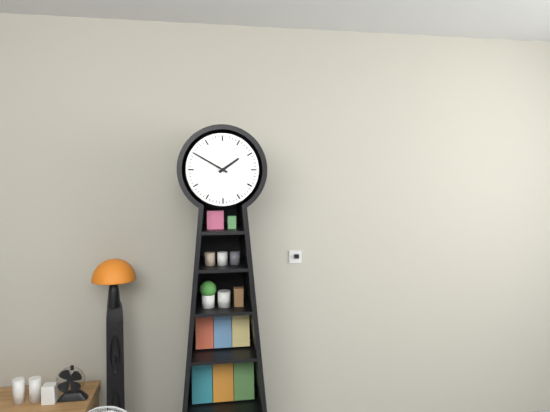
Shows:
1,50
